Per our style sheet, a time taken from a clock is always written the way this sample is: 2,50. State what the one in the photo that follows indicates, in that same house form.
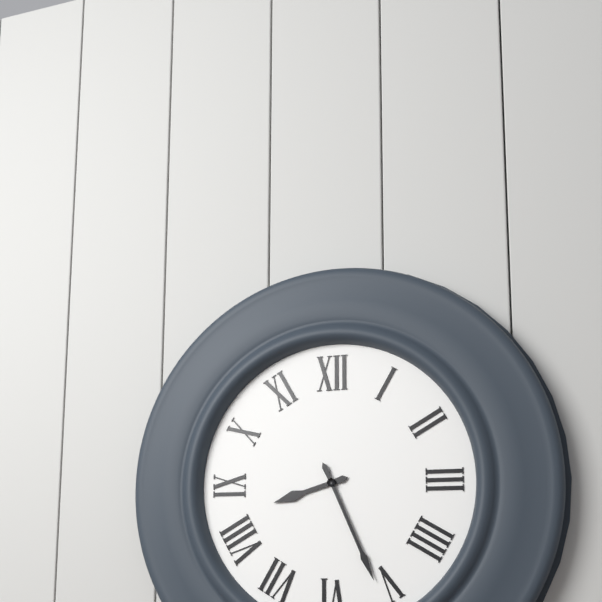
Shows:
8,26
